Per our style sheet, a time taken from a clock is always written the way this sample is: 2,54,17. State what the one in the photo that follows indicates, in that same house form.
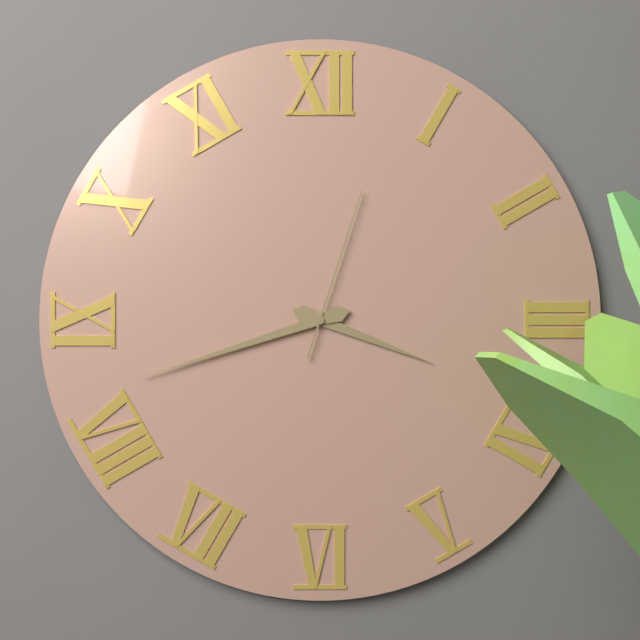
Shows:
3,42,03
